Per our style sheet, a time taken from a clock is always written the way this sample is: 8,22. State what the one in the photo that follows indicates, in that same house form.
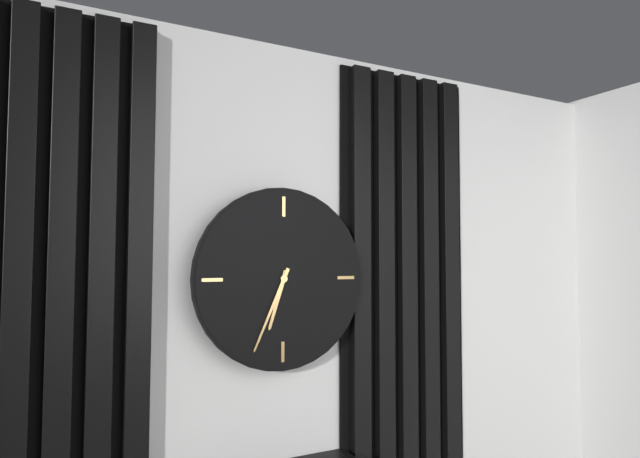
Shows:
6,34
